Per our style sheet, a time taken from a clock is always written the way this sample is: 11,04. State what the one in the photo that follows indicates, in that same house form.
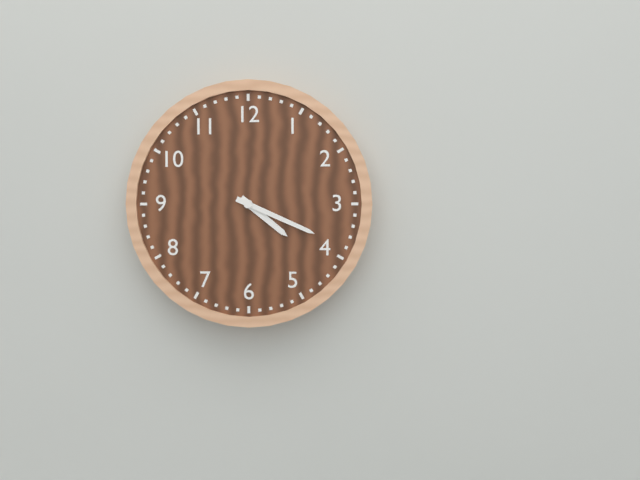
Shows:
4,19
